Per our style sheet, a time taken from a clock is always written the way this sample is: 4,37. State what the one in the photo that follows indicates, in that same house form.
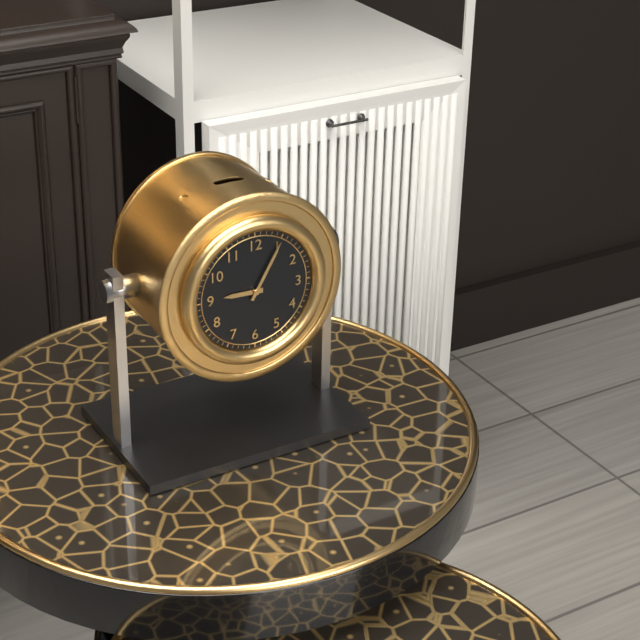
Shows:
9,05
